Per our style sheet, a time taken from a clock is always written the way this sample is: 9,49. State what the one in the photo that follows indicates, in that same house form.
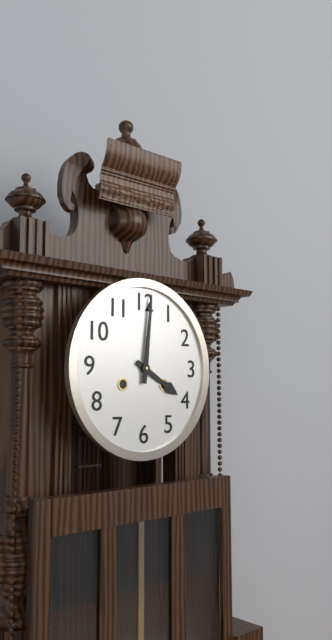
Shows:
4,01
